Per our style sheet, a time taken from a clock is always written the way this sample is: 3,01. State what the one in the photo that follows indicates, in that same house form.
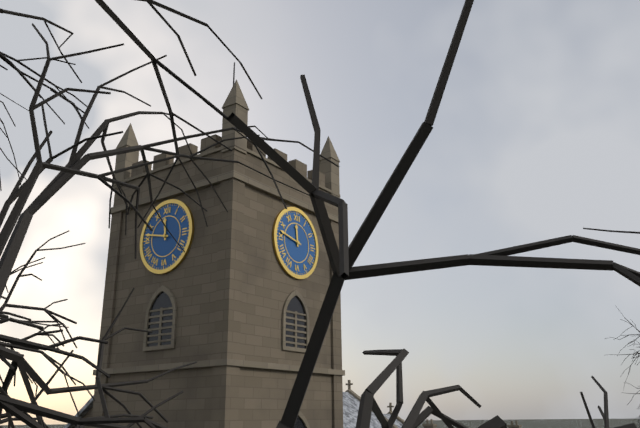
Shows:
11,47
